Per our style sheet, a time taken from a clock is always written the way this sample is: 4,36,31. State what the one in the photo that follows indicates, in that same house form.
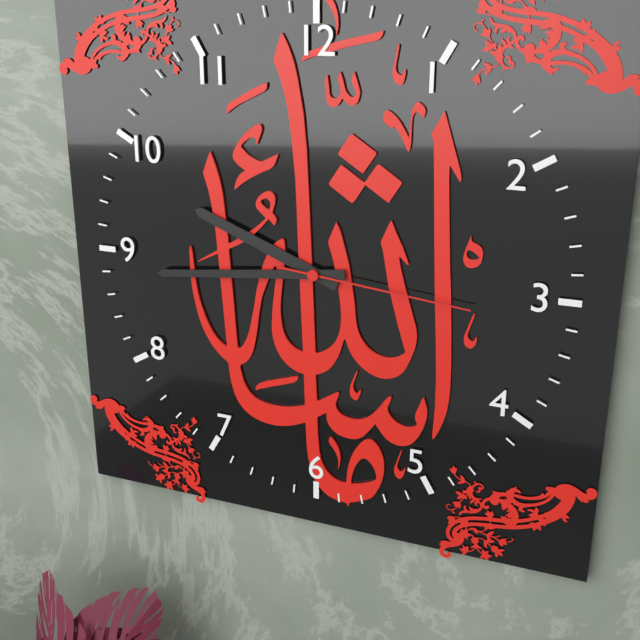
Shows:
9,44,16
